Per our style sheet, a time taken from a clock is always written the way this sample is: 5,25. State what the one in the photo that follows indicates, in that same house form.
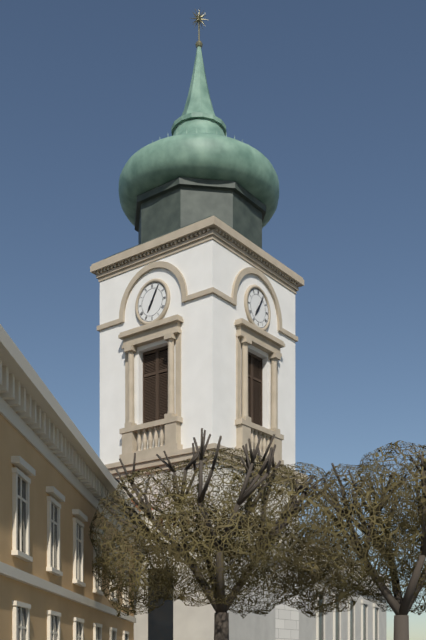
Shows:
7,05
